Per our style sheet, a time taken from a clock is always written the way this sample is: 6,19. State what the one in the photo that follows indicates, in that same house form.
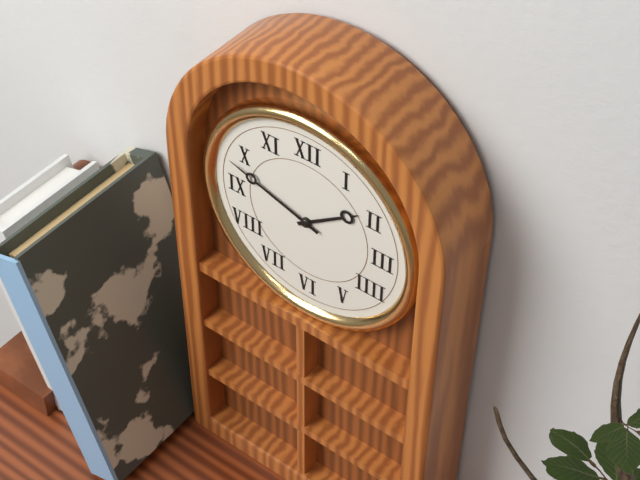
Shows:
1,48
